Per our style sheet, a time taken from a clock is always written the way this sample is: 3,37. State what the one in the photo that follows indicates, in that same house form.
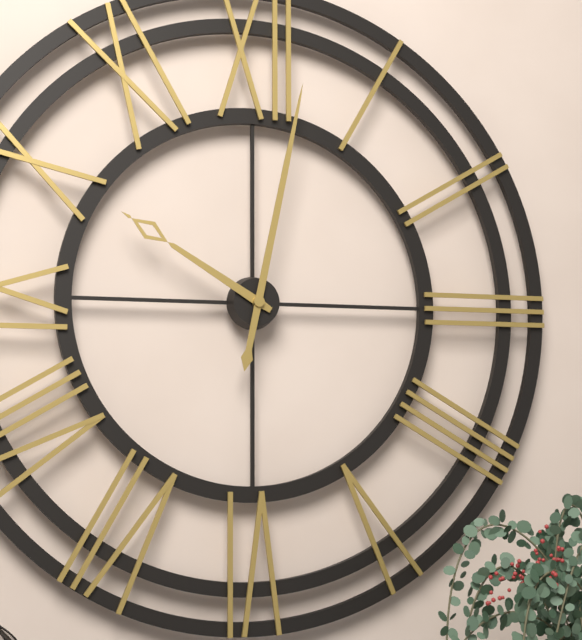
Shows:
10,02
